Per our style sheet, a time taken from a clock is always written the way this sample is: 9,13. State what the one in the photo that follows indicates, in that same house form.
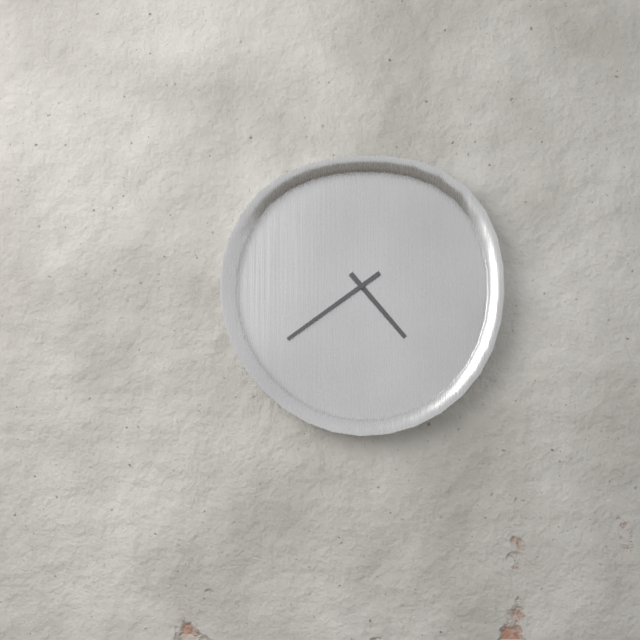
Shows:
4,39
